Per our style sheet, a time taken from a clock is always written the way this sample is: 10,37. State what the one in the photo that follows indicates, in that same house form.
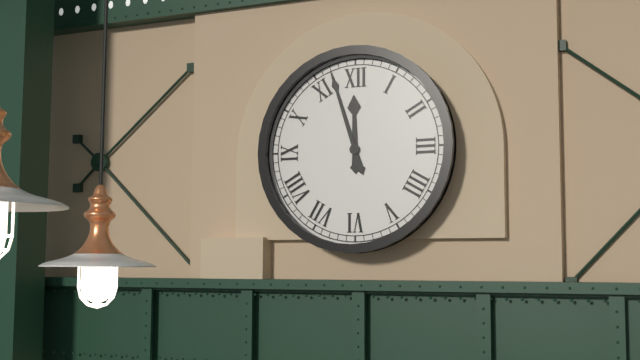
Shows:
11,57
